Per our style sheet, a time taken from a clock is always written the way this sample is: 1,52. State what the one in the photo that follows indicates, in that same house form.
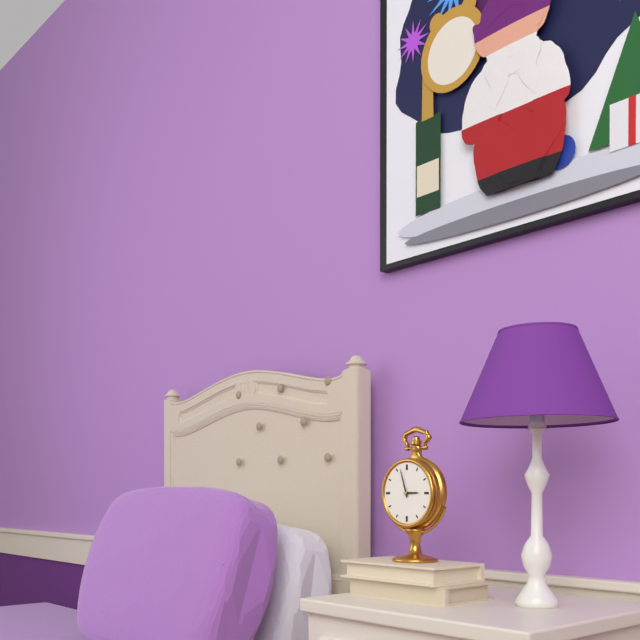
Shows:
2,57
